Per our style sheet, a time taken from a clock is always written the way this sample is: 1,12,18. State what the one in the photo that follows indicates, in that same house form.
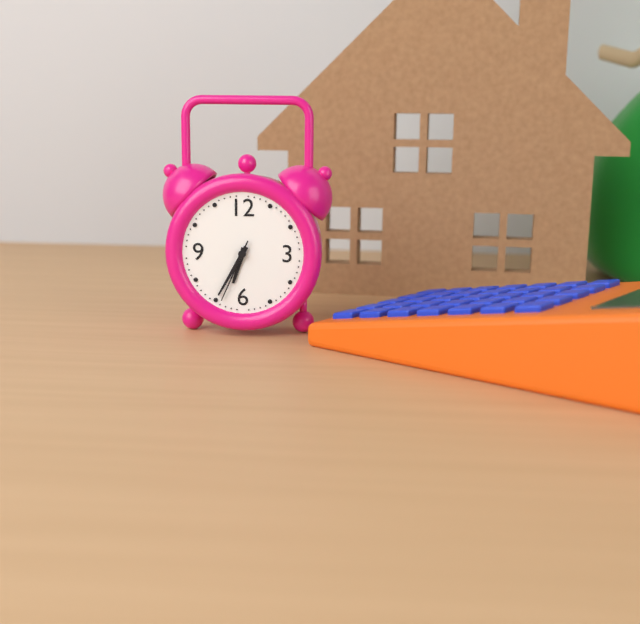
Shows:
6,35,34
